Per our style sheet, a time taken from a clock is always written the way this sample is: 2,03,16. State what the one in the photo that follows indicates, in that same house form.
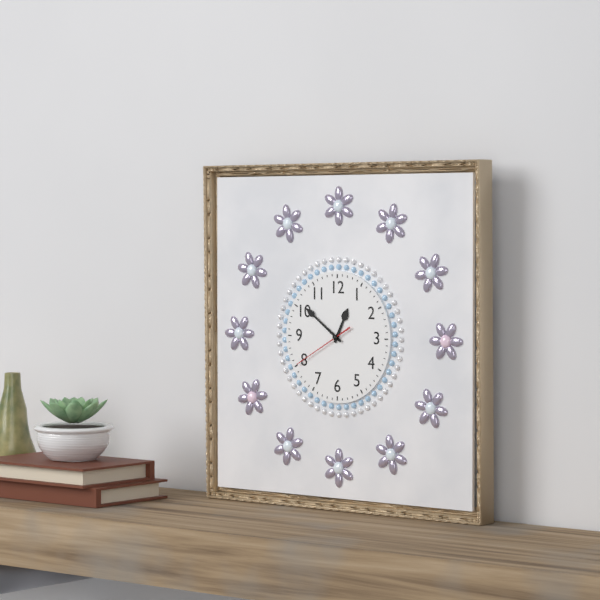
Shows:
12,51,40
